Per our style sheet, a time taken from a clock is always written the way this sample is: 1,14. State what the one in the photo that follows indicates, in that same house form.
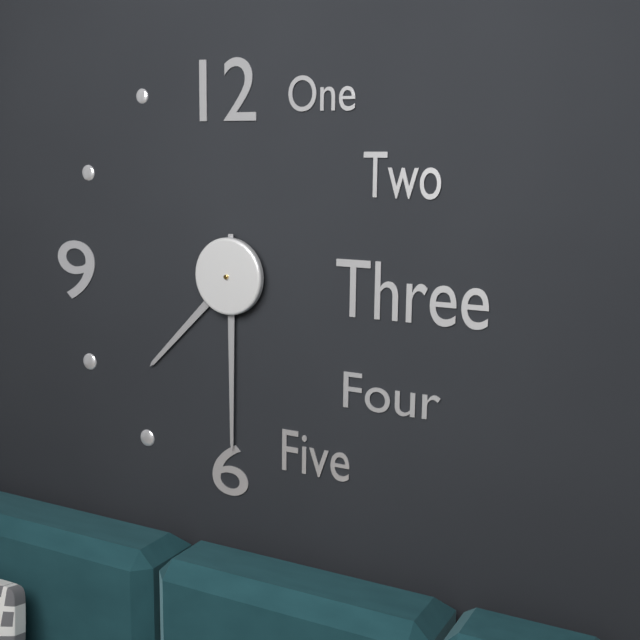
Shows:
7,30
